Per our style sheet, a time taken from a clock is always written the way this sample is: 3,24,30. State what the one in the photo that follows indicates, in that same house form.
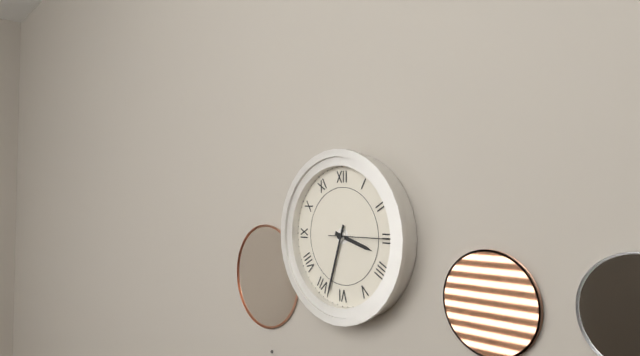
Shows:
3,33,15
